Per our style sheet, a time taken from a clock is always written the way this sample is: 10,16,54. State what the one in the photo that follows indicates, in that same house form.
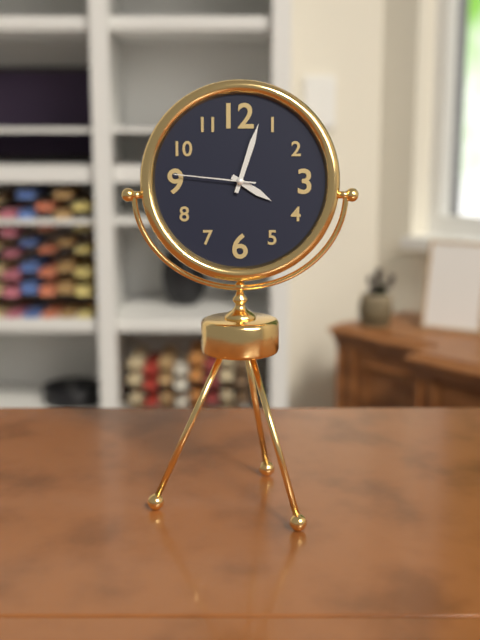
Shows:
4,03,46
